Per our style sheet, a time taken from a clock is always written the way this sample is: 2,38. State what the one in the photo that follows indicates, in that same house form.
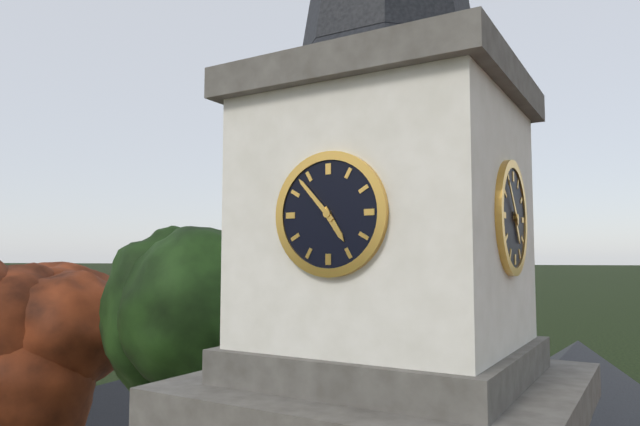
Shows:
4,53
